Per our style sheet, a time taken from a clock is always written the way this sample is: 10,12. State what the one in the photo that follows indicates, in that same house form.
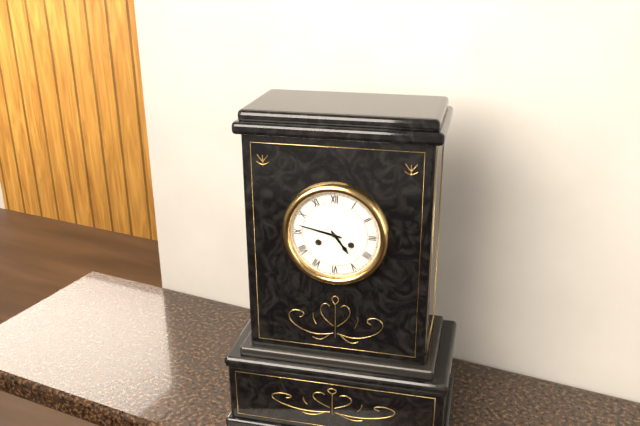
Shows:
4,47
